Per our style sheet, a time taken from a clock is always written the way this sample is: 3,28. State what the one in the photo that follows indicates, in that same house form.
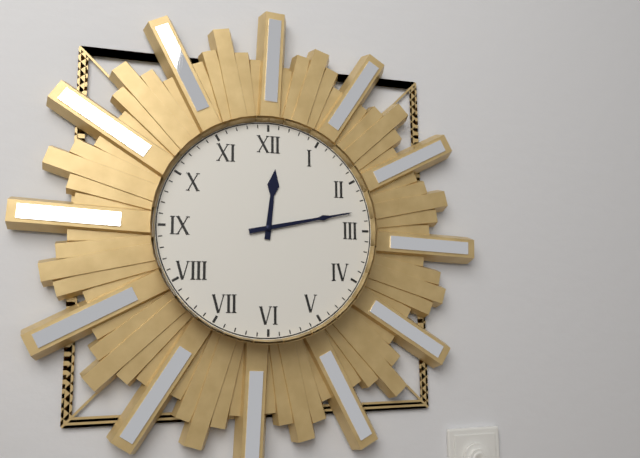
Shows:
12,13
